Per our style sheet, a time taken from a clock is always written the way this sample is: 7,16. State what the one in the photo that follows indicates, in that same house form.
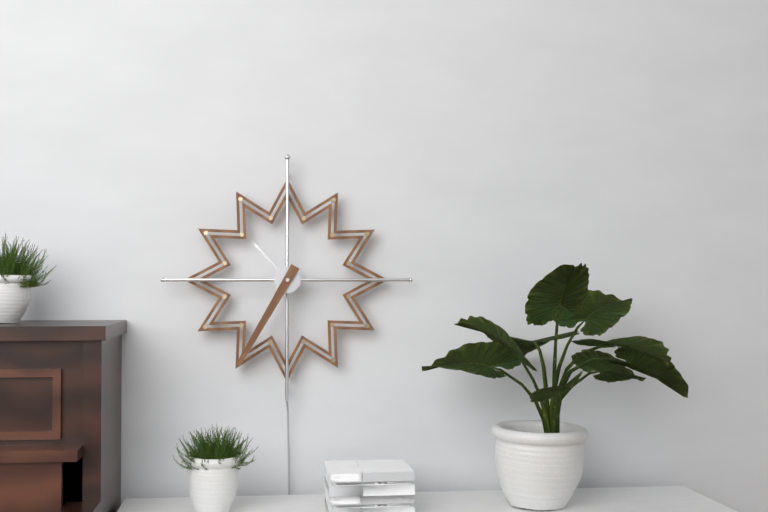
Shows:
10,35
